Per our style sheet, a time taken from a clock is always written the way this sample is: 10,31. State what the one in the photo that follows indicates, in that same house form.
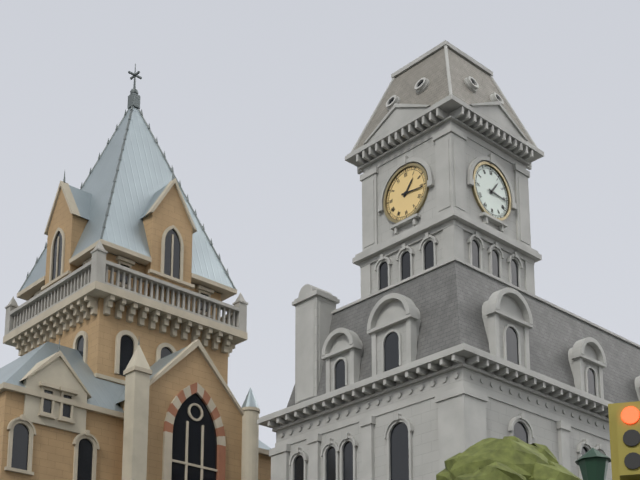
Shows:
1,16
